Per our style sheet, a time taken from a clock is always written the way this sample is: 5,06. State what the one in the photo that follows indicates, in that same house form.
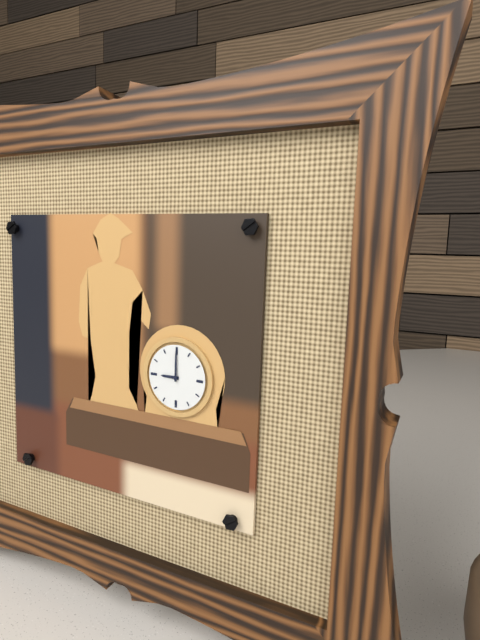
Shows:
9,00
